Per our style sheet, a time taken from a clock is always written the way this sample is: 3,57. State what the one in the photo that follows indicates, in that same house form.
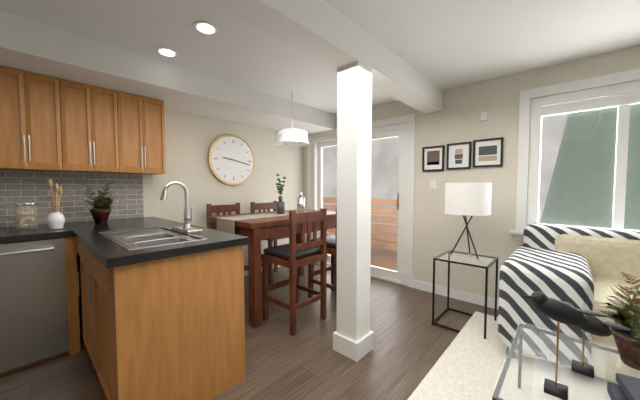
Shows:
9,17
